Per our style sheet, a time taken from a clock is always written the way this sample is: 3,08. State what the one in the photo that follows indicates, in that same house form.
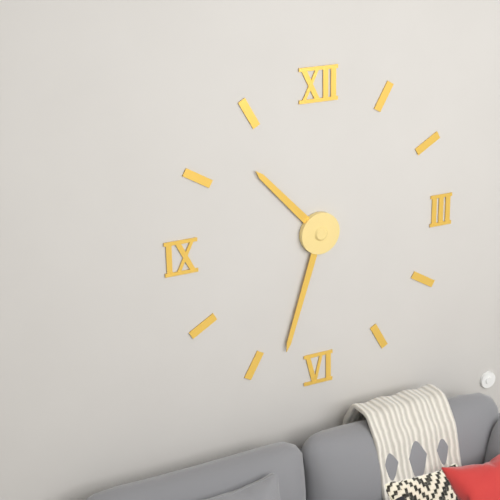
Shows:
10,33
